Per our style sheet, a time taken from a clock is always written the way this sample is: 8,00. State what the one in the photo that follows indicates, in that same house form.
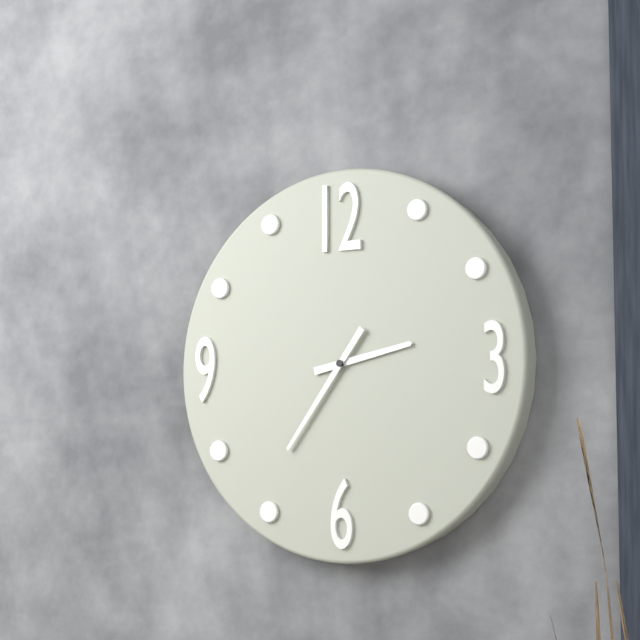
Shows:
2,36
